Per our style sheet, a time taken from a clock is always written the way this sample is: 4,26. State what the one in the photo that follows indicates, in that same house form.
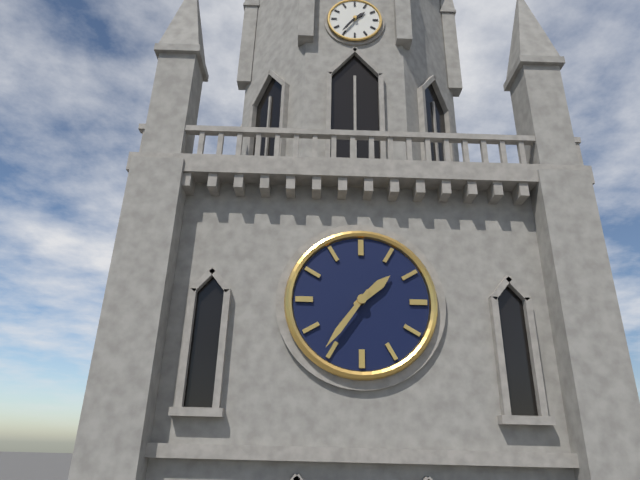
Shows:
1,36
